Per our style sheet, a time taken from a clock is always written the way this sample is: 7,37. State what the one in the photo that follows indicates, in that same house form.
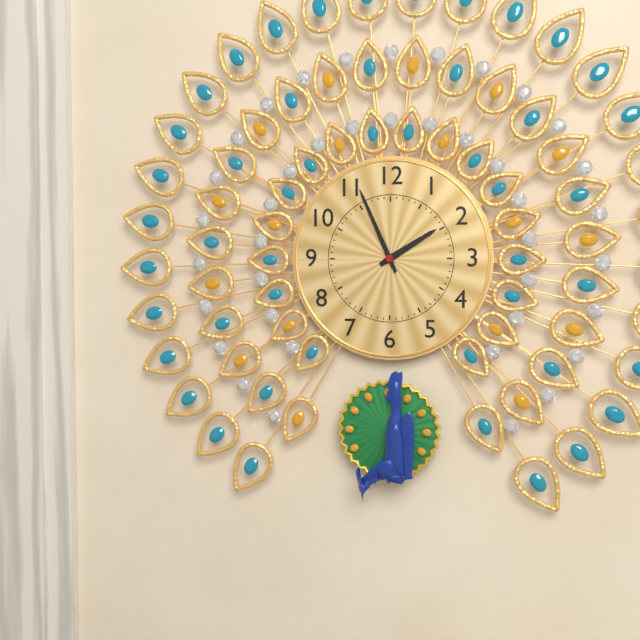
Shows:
1,56
